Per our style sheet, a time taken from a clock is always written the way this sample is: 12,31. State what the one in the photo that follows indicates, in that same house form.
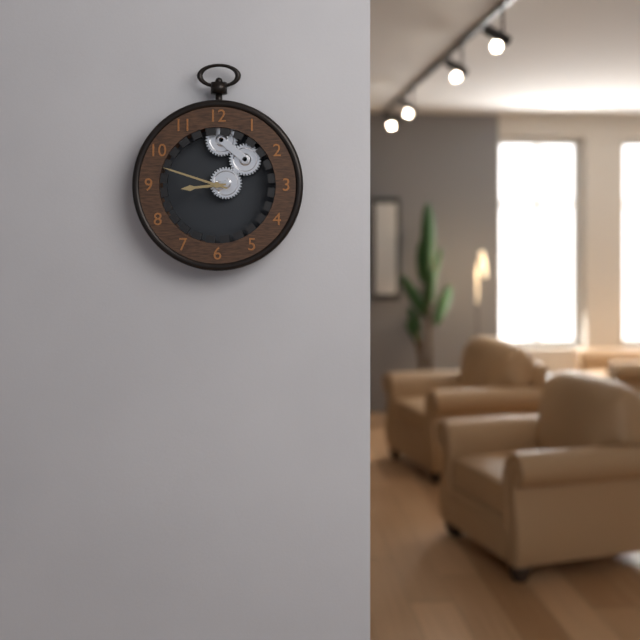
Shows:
8,48
